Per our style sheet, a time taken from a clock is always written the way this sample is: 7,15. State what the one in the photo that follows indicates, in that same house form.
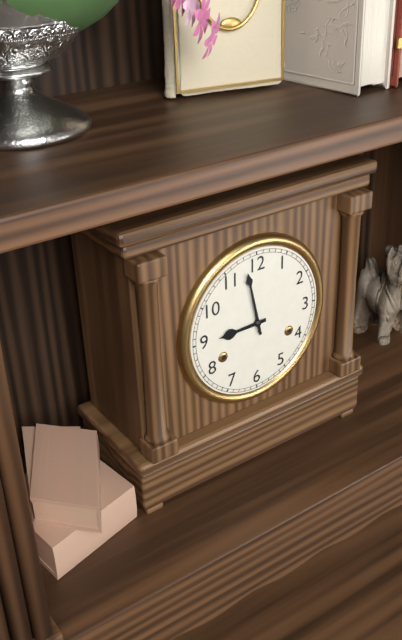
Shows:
8,58
